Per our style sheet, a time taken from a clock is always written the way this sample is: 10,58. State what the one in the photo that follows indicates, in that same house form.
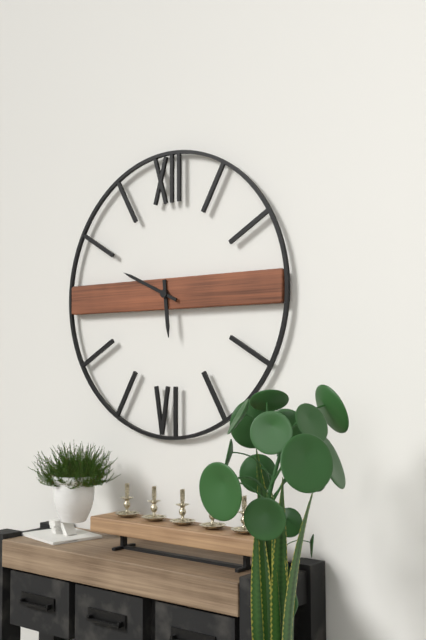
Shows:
5,49
